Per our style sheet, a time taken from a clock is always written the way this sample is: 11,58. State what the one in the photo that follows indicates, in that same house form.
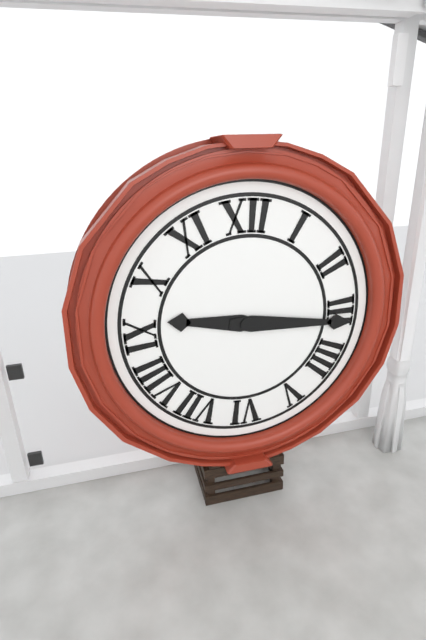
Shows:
9,16
